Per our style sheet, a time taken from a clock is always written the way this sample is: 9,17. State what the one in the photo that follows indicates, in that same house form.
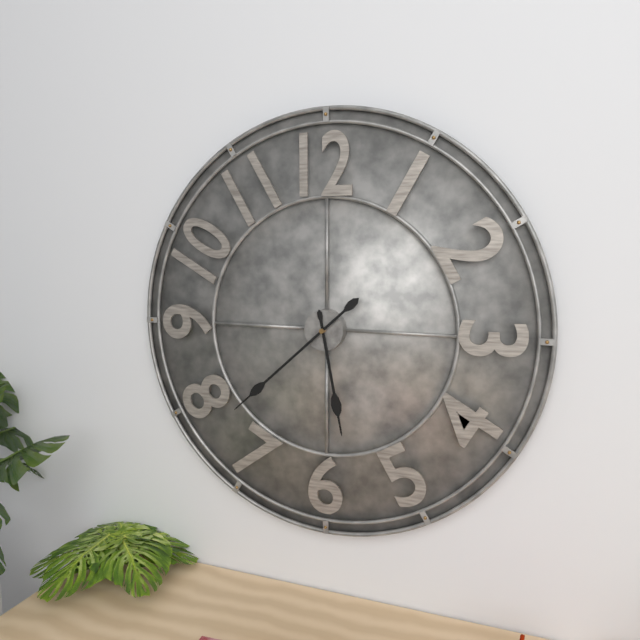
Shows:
5,38
